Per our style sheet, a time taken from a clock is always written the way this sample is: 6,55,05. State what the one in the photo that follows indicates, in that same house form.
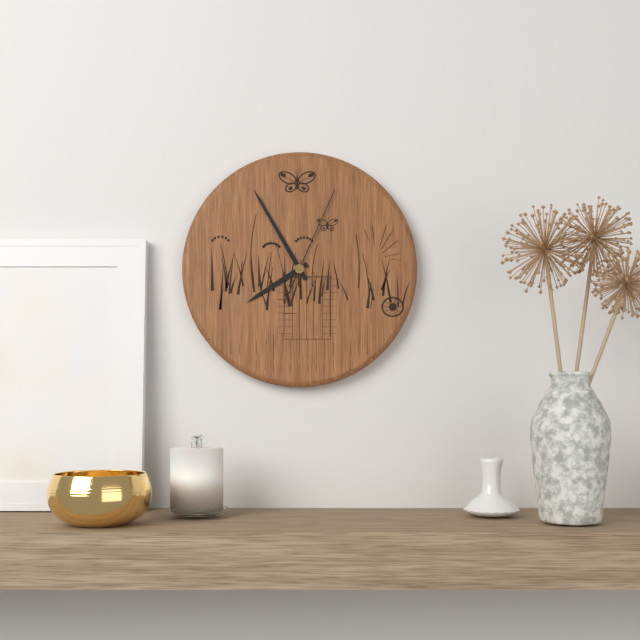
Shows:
7,55,04
